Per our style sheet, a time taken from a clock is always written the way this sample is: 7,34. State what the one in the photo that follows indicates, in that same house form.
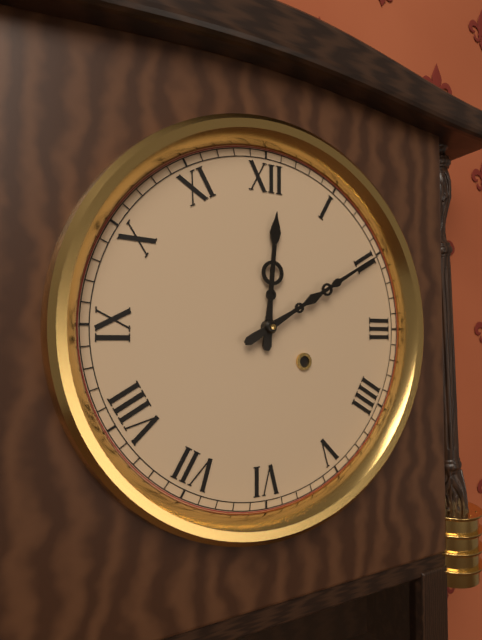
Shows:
12,10
